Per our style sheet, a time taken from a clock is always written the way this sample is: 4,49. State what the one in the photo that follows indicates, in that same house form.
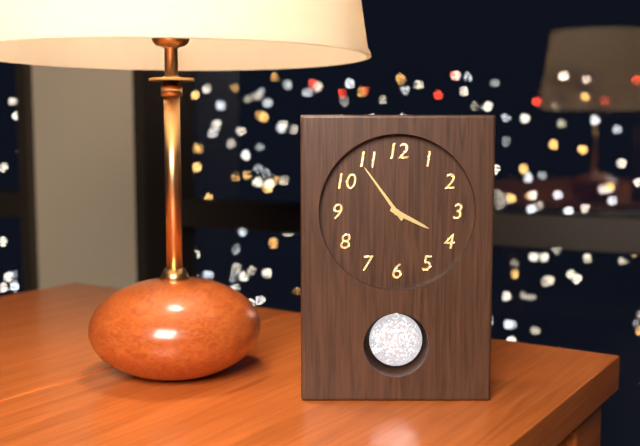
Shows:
3,54
